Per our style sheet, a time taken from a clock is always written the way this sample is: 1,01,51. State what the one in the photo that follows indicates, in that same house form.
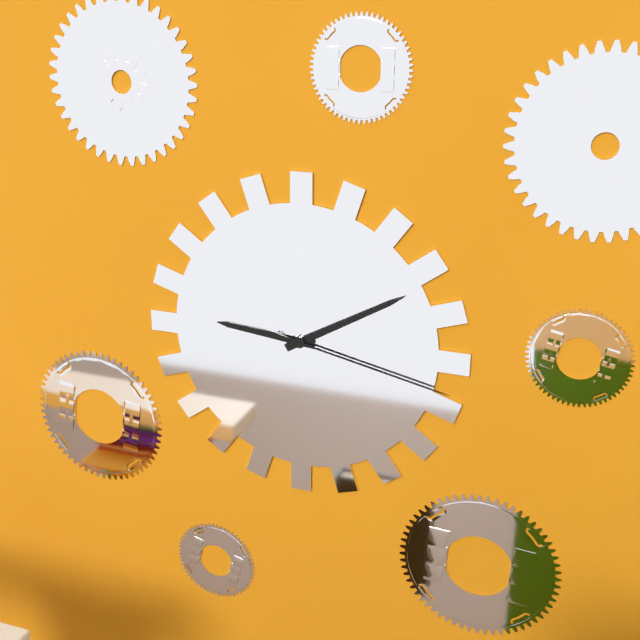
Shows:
9,10,17
